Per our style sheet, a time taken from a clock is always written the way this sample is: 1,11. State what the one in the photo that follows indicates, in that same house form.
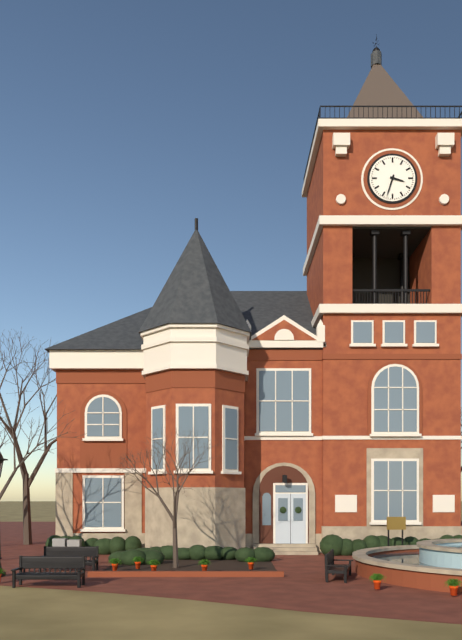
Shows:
3,33
